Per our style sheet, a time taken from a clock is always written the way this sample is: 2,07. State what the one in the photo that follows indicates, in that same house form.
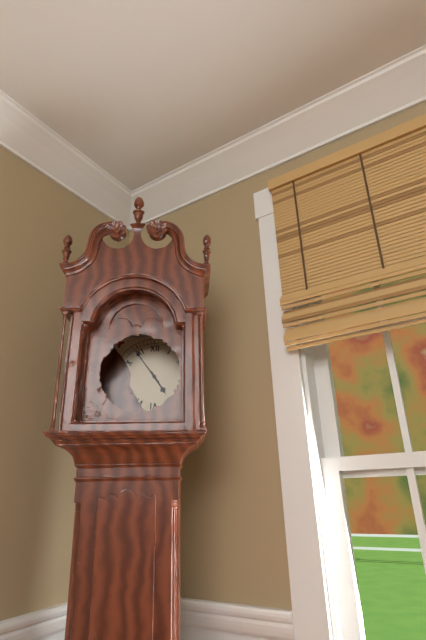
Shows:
4,54
